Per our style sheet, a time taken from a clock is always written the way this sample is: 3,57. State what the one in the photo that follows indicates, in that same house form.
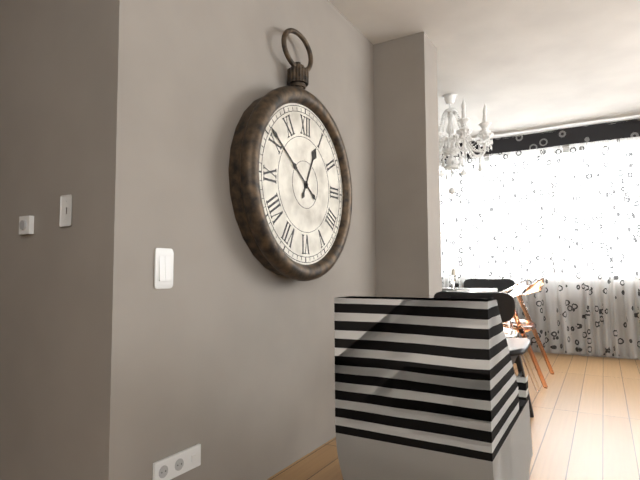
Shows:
12,51
